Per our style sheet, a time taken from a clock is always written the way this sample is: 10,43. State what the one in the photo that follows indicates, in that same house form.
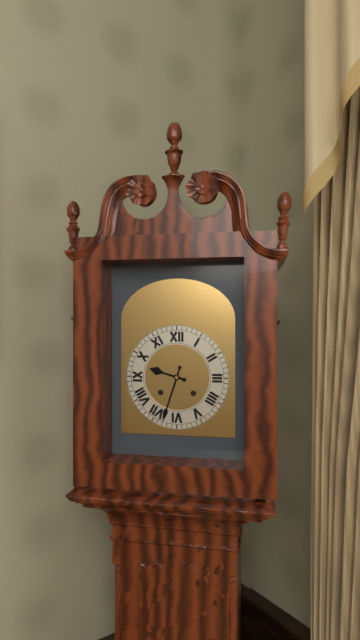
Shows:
9,33
